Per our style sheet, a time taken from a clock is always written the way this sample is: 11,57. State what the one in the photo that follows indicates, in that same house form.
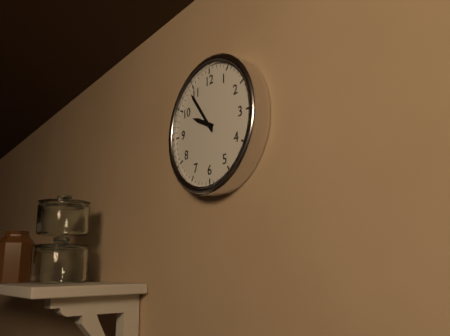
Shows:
9,54
